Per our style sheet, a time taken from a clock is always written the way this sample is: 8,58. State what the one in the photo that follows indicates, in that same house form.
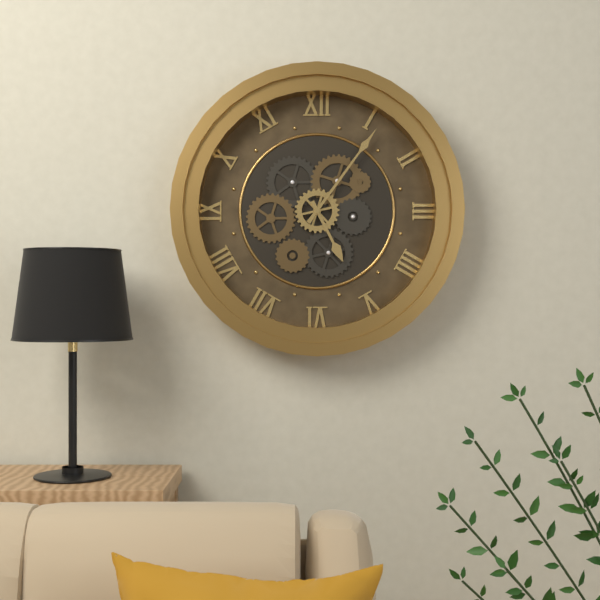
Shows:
5,06
